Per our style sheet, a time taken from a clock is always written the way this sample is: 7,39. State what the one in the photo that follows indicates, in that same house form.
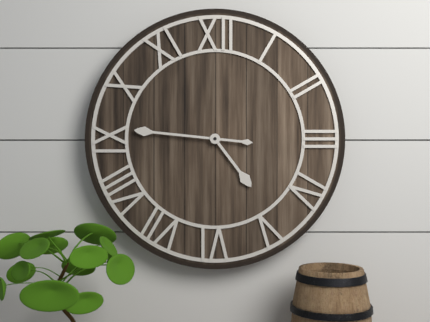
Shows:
4,46
